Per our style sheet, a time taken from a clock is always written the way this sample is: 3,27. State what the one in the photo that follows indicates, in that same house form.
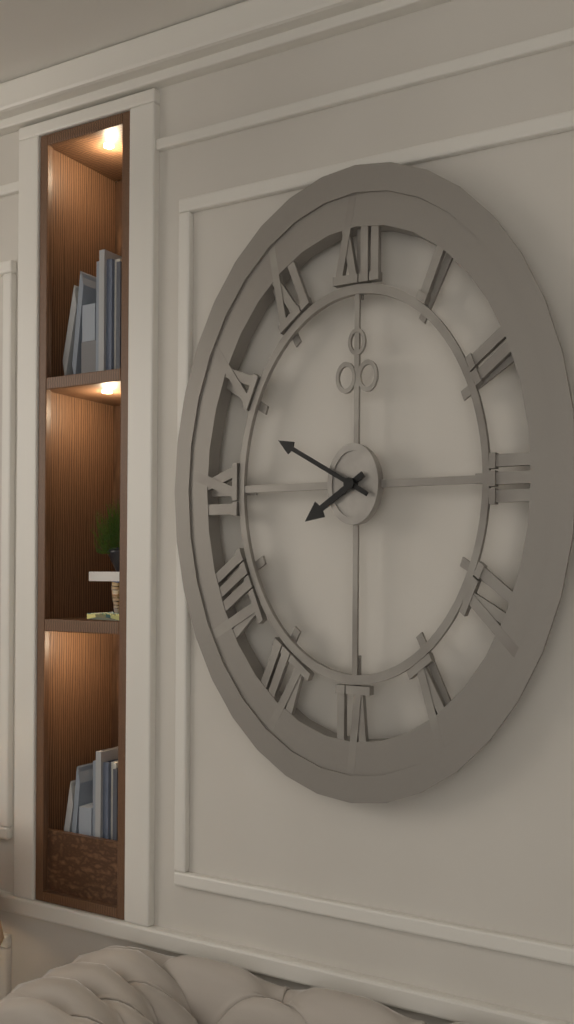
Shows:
7,50
